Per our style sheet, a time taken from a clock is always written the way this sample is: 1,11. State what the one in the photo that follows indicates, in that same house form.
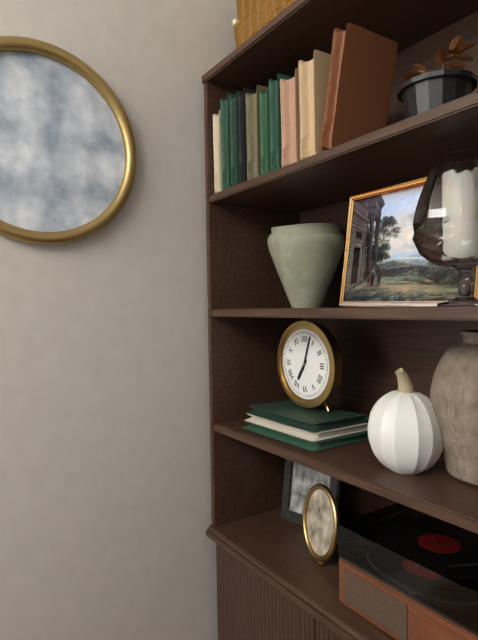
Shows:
7,03
